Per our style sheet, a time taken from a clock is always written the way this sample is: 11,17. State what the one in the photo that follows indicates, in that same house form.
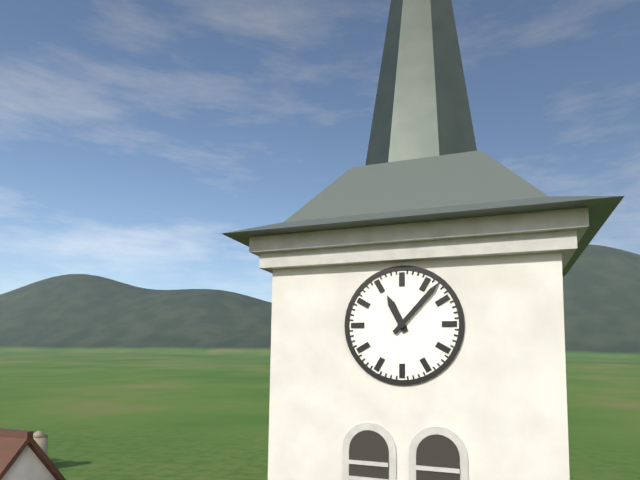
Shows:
11,07
